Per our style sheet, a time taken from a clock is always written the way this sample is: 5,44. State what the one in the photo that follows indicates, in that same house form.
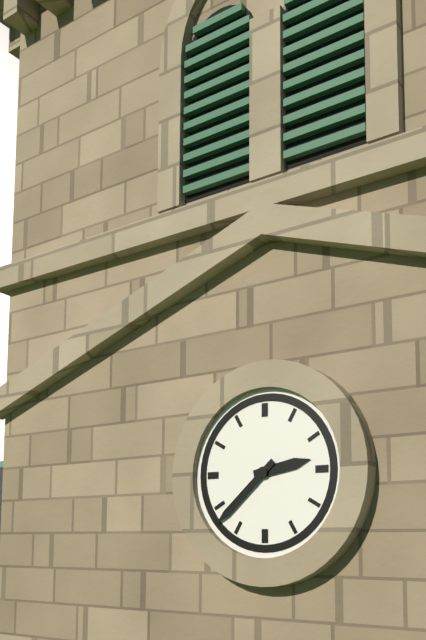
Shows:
2,38
